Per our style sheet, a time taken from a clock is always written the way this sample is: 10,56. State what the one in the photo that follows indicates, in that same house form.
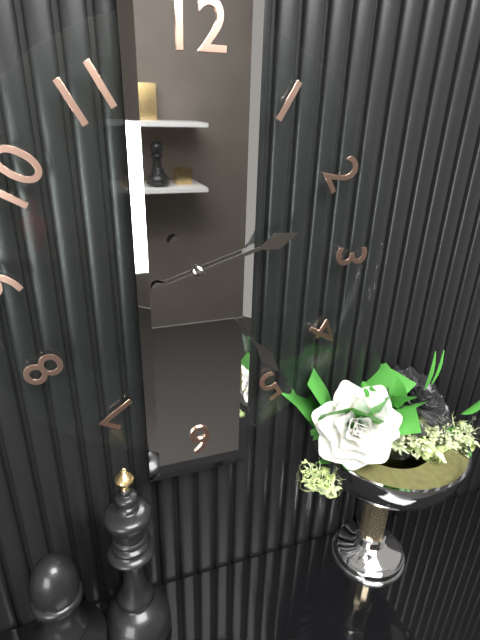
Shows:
2,24
